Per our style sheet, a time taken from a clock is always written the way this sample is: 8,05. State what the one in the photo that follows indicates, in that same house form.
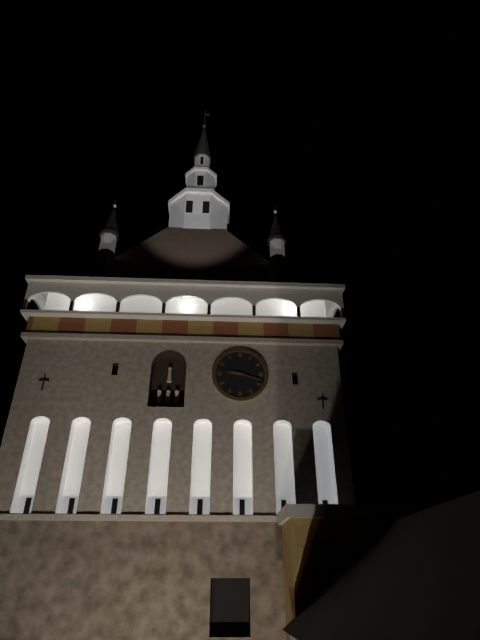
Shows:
9,18
